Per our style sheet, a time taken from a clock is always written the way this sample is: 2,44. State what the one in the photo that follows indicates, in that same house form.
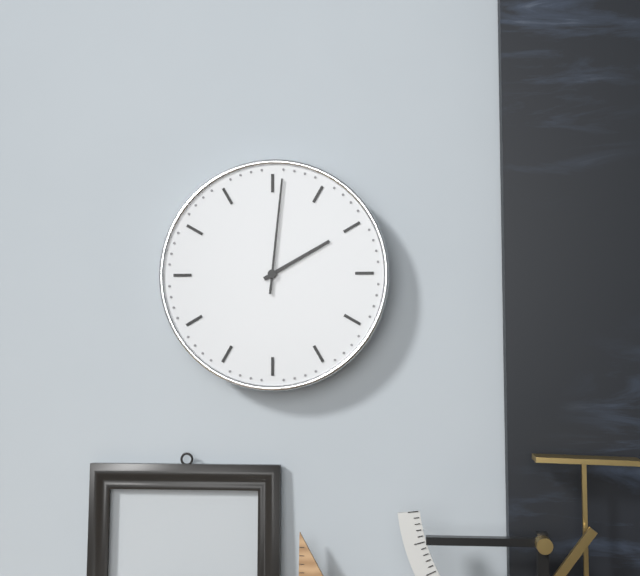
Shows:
2,01
